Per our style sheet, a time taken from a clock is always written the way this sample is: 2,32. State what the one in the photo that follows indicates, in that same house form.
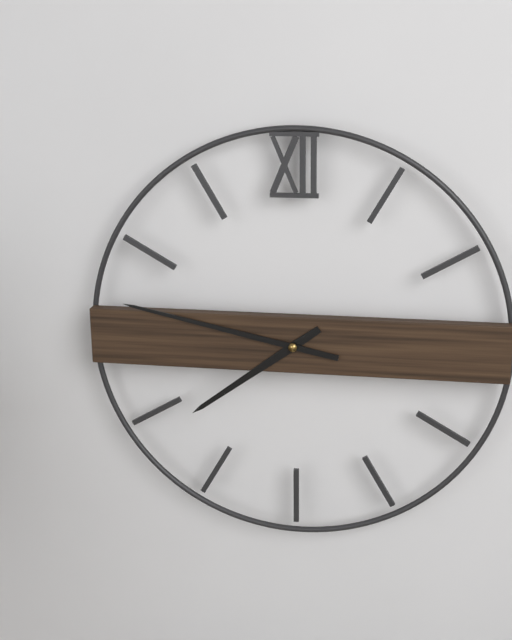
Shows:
7,47
